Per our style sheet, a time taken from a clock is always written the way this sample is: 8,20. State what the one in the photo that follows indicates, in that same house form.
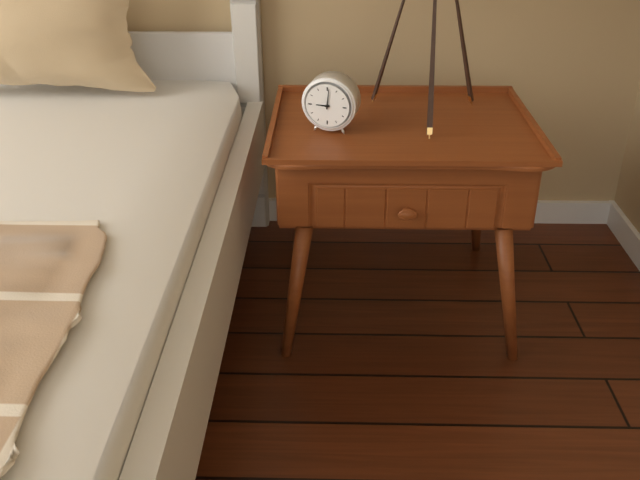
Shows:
9,01
